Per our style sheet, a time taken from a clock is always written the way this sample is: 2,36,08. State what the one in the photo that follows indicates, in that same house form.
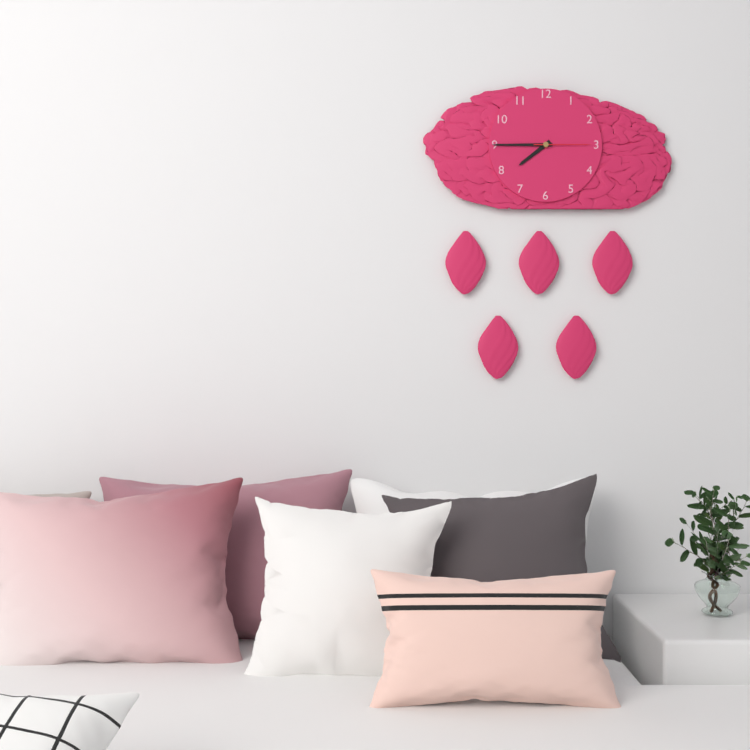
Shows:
7,45,15
